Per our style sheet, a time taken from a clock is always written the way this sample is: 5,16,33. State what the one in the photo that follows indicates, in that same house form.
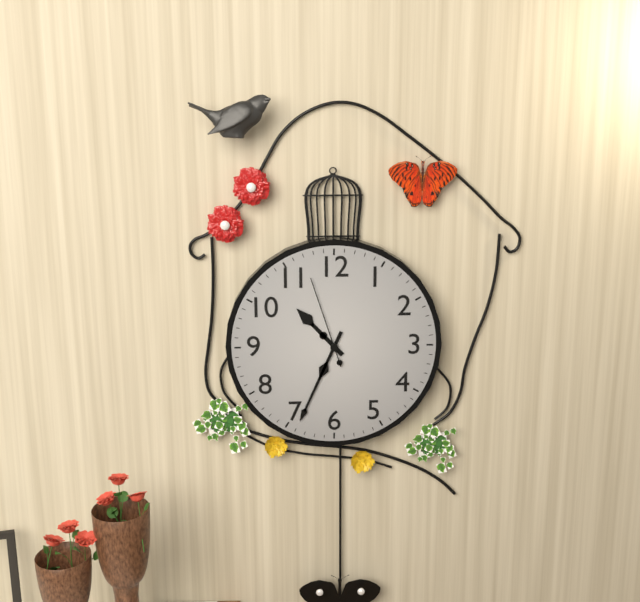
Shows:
10,34,57
